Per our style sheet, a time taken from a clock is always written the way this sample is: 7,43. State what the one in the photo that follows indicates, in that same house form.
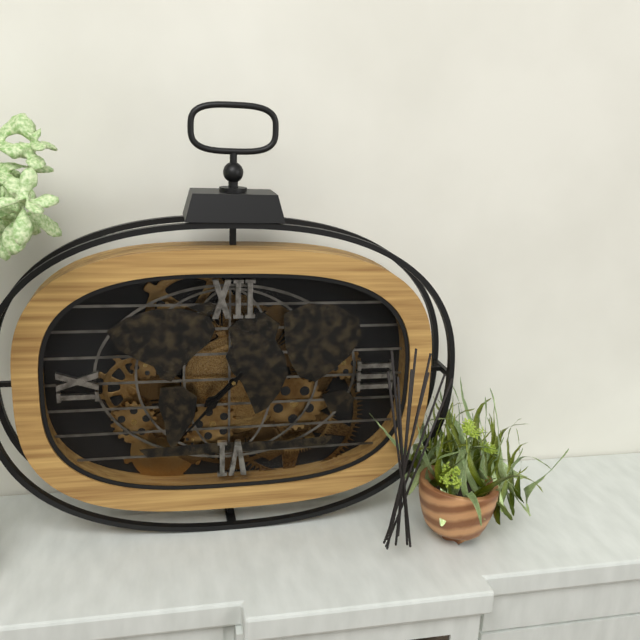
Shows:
7,37
